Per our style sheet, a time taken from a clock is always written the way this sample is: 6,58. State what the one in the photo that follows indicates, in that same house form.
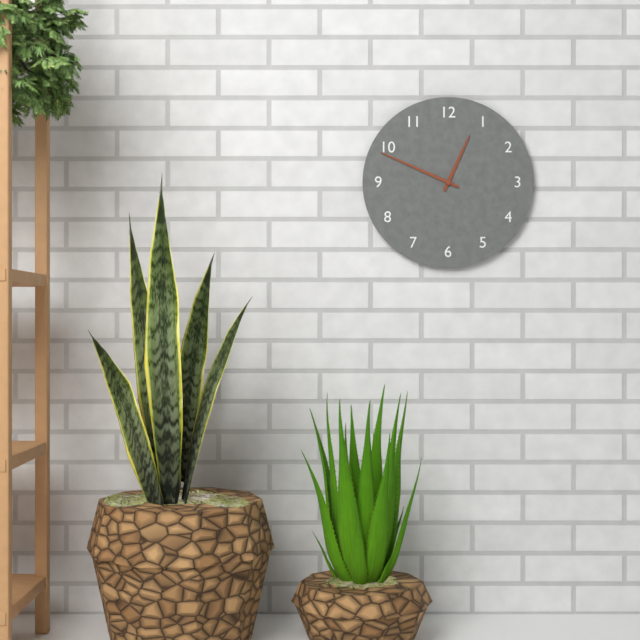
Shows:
12,49
